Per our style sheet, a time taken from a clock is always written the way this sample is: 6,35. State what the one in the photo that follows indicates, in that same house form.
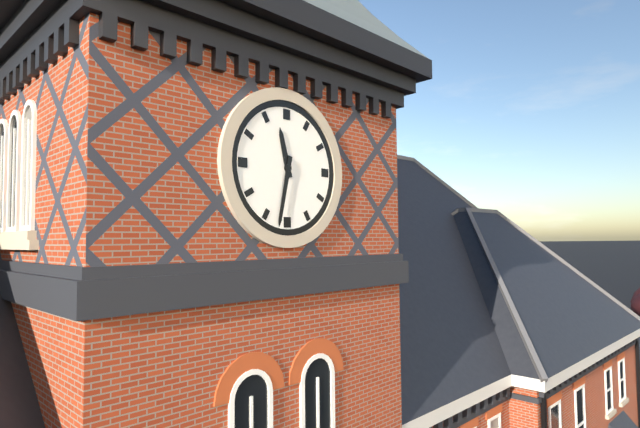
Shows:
11,32
